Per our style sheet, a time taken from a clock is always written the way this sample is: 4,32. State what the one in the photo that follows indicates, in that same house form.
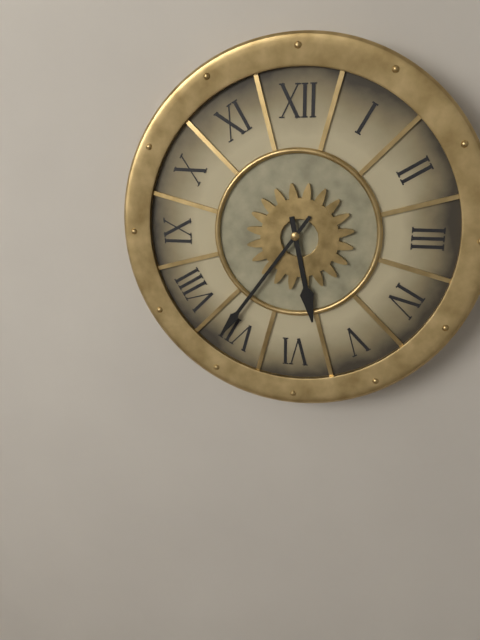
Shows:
5,36
